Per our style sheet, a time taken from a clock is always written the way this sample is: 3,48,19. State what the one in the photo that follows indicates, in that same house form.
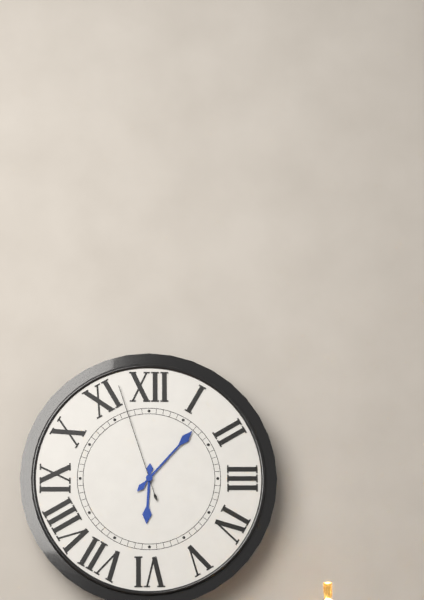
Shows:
6,07,57
